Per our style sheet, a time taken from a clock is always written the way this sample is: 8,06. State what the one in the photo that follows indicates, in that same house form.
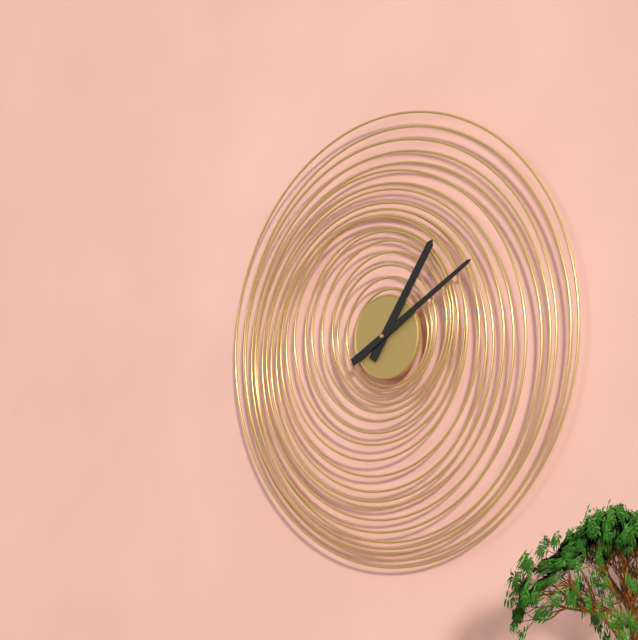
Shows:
1,10
